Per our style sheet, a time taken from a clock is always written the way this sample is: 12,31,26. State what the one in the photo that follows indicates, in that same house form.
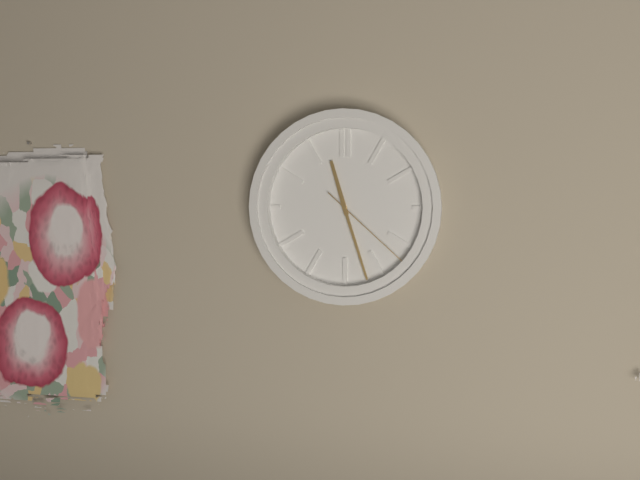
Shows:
11,27,22
